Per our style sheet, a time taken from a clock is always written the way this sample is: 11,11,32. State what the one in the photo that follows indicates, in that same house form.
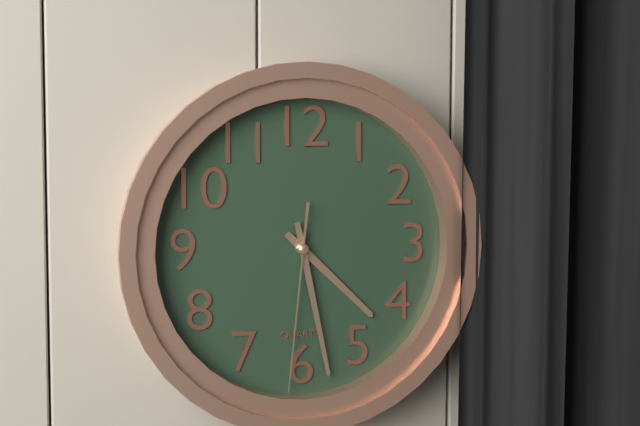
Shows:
4,28,31
